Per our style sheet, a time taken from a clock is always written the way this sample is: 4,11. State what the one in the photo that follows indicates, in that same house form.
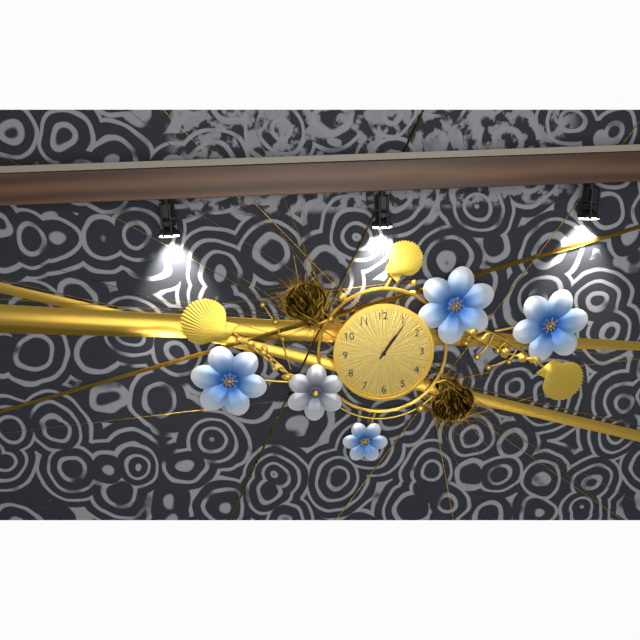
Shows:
1,06
